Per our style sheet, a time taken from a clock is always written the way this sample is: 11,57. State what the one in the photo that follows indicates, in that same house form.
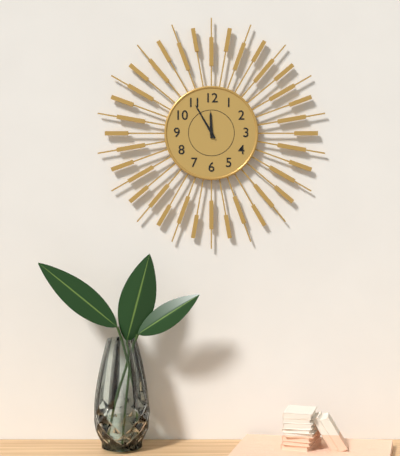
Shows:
11,55
